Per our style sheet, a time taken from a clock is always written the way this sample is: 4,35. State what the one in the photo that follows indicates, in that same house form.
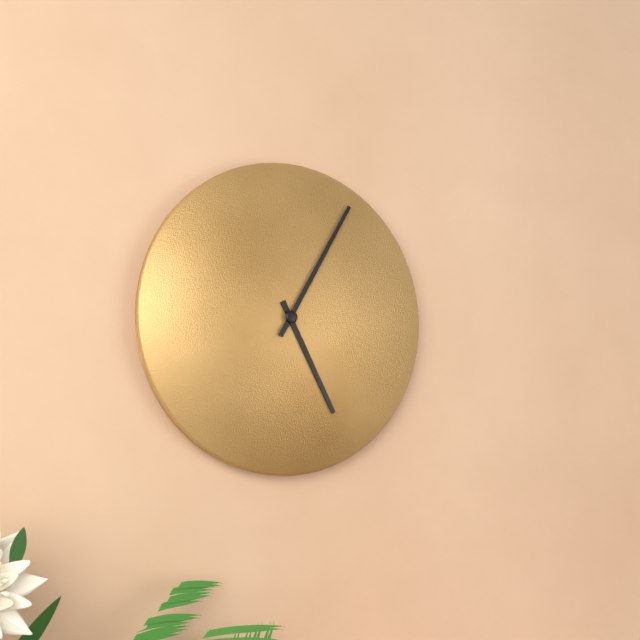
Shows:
5,05
